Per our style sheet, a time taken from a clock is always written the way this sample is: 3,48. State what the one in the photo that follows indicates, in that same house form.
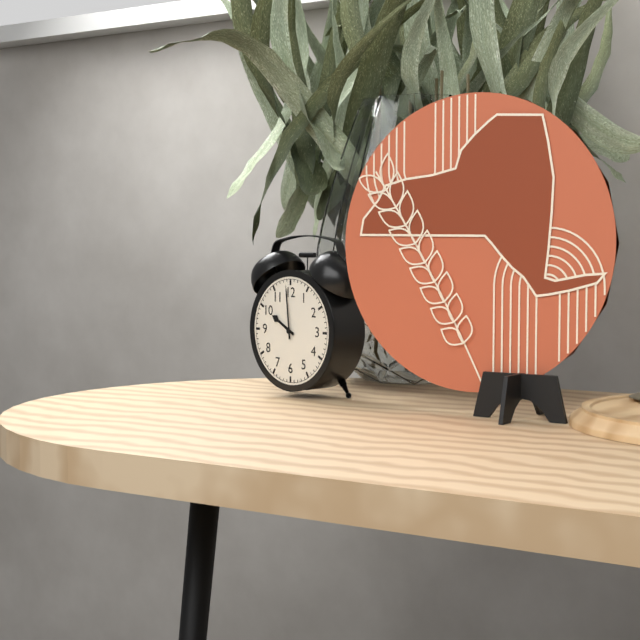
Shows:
9,59
